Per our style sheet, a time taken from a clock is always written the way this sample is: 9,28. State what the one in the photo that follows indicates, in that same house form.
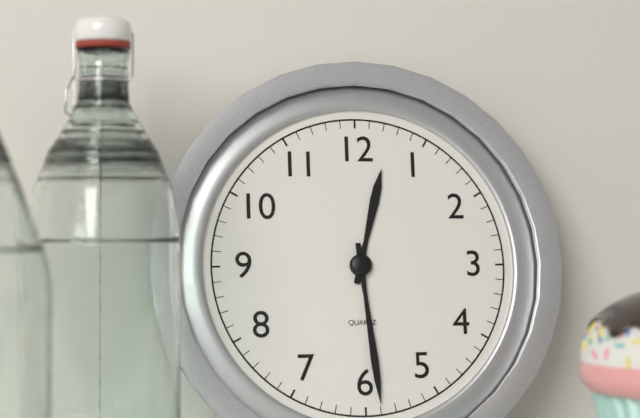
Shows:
12,29
